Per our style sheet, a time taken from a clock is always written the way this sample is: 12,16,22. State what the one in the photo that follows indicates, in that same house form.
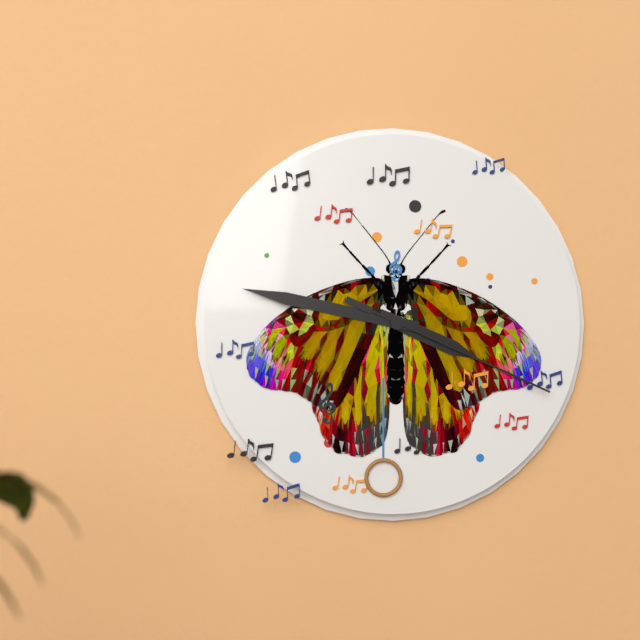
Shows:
3,47,19
